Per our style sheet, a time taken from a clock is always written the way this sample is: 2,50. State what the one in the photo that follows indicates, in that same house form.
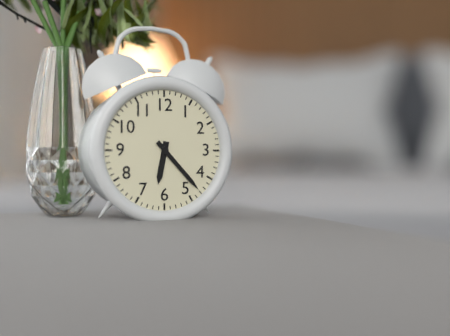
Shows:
6,23
